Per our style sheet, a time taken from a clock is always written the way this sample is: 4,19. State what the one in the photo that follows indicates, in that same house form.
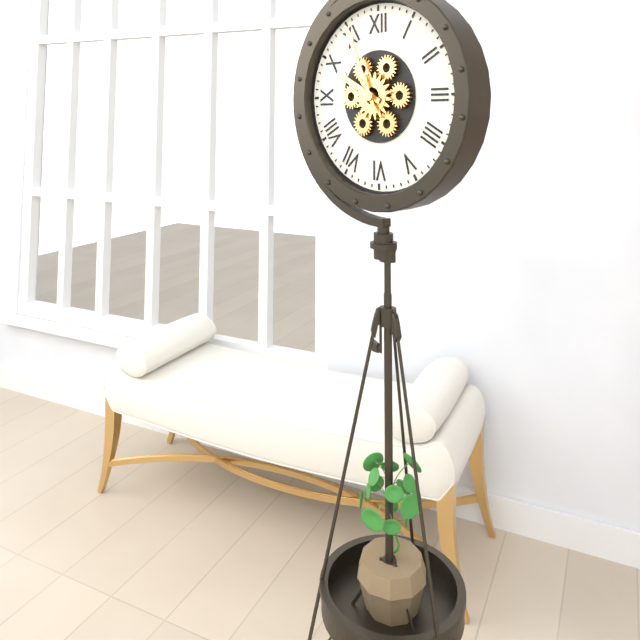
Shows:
9,56
